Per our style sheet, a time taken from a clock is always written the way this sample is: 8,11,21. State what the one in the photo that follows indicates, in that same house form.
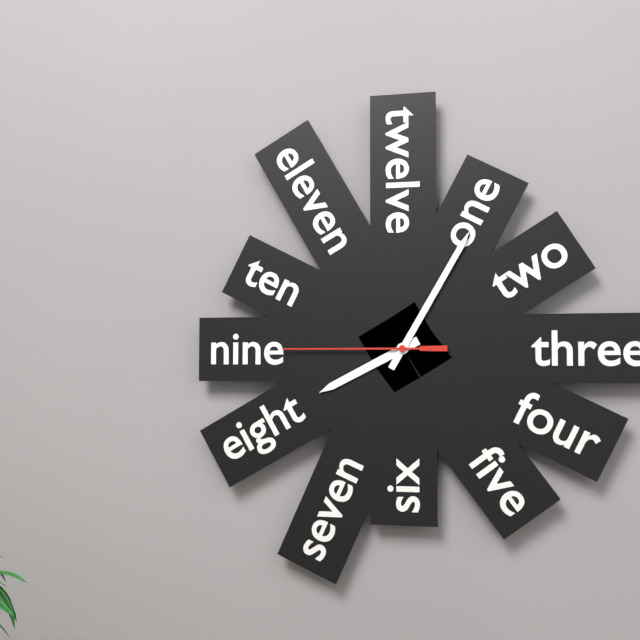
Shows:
8,05,45
